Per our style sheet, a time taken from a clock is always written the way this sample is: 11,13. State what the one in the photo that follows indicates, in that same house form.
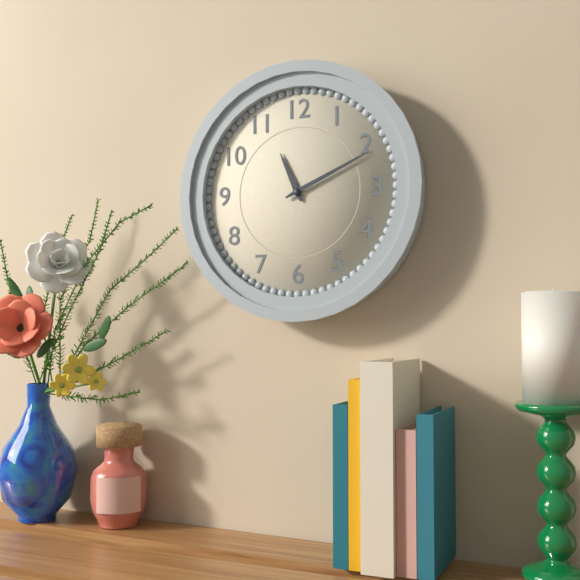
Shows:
11,11
